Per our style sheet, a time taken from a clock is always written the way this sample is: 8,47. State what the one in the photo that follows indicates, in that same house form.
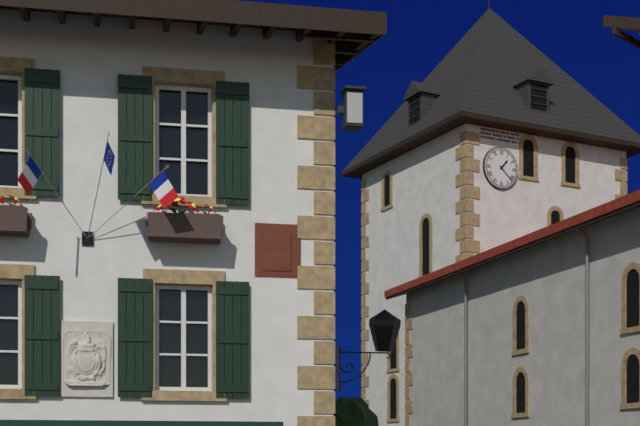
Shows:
1,22
